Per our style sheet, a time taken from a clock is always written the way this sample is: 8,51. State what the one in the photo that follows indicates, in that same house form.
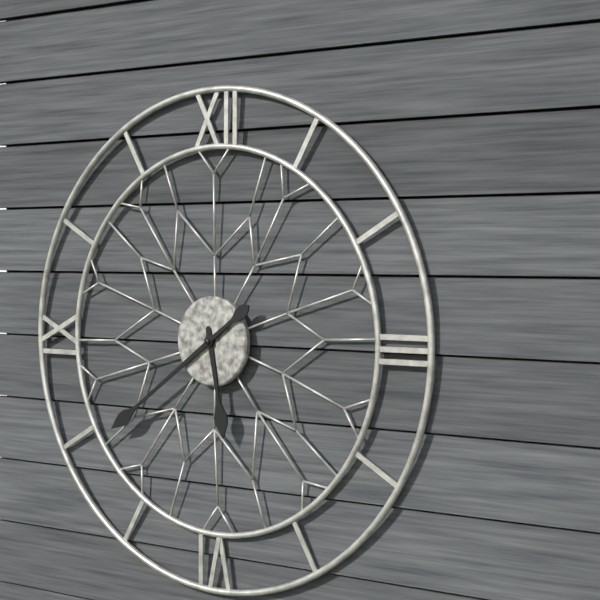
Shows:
5,39
